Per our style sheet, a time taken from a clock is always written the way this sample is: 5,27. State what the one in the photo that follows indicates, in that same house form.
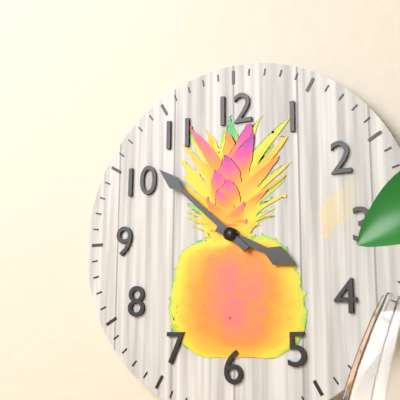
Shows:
3,52
